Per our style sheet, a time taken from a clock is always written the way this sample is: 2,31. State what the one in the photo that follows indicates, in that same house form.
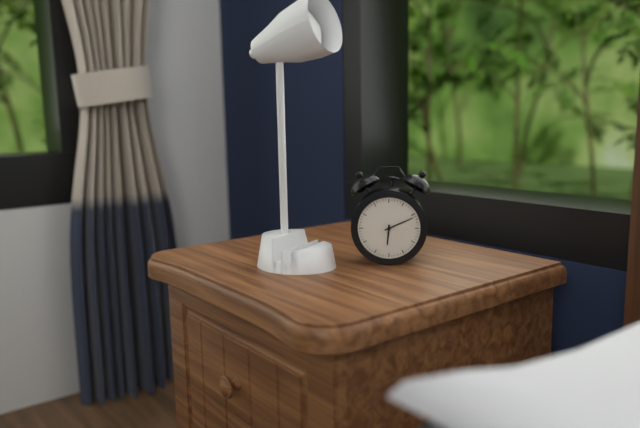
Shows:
6,11
